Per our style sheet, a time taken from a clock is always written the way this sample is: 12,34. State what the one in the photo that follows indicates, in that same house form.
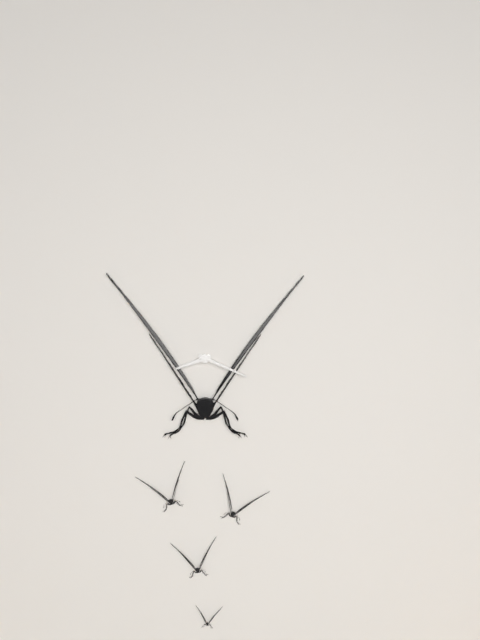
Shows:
8,19
